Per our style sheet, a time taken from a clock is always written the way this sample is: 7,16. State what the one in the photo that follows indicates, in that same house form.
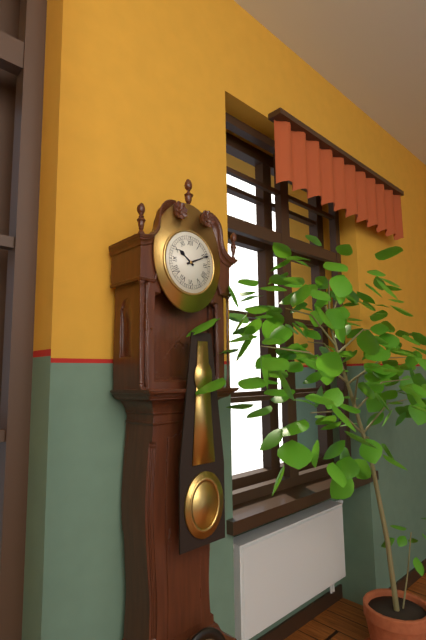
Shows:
10,11
